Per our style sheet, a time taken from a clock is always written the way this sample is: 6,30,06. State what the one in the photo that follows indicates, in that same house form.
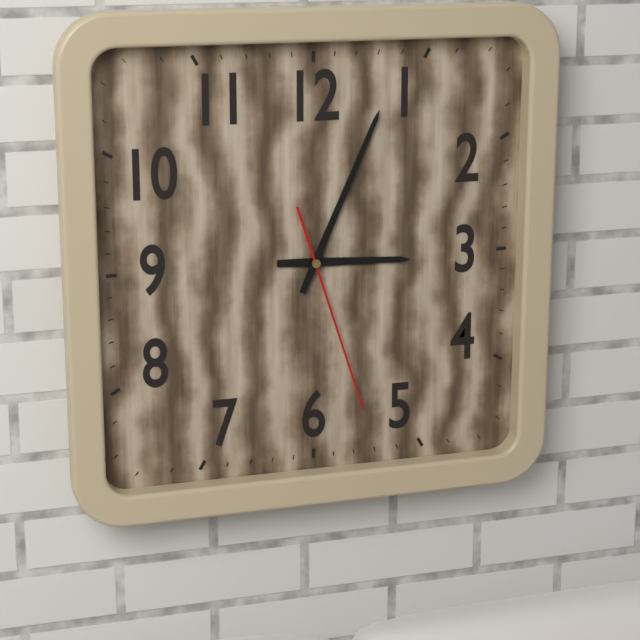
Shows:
3,04,27
